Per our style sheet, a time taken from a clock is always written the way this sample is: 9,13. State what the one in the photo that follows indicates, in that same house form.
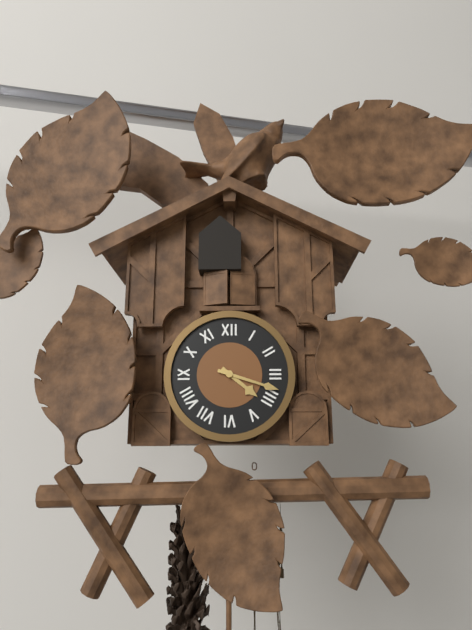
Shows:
4,18
